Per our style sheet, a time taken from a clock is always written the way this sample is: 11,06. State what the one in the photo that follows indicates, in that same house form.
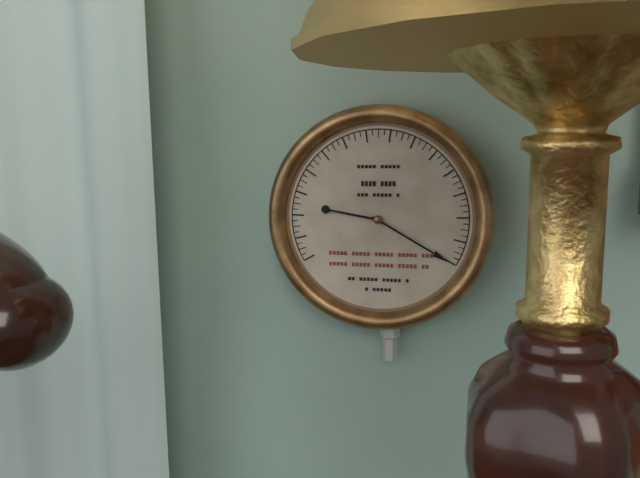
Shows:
9,20
